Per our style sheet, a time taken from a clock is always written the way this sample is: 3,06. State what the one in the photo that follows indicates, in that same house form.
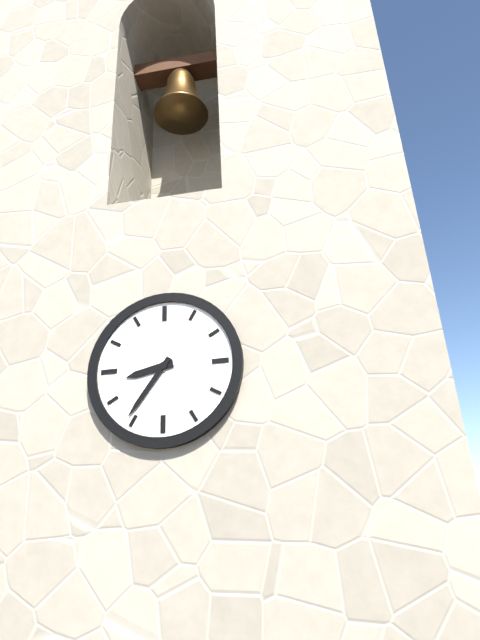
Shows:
8,36
